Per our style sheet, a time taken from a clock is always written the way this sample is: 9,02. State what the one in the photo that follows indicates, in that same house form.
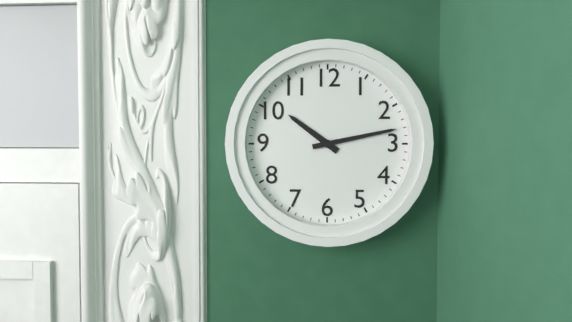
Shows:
10,13
